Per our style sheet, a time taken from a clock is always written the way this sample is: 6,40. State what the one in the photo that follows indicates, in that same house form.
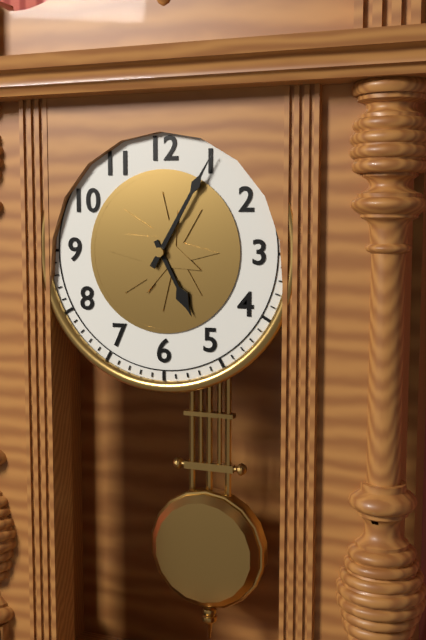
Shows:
5,05
